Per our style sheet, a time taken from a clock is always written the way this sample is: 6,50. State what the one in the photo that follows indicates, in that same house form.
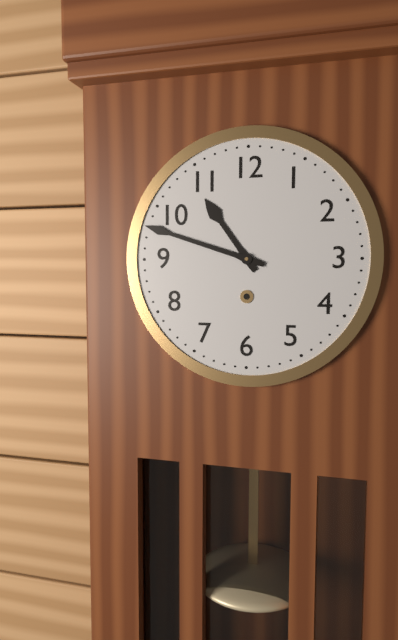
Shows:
10,48
